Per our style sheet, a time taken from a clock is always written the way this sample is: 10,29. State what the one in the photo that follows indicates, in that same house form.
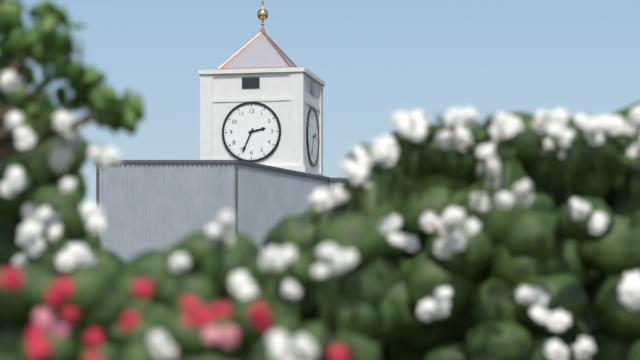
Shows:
2,34
